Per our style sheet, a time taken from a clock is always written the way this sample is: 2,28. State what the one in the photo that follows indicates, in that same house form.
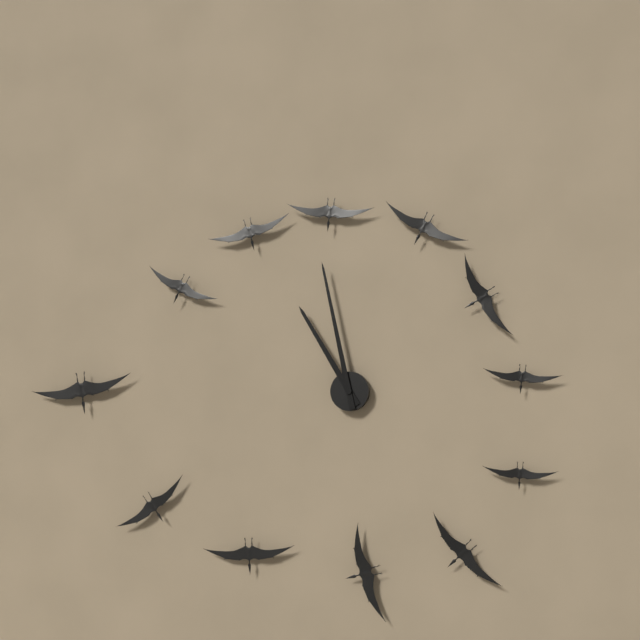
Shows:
10,58
